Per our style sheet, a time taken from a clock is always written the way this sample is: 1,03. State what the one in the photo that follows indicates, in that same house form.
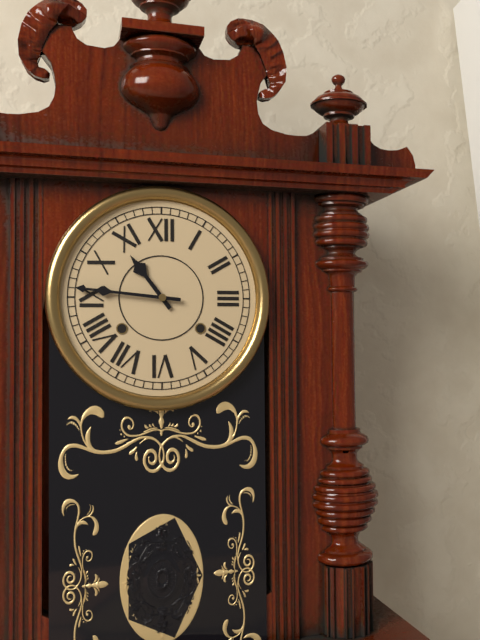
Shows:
10,46
